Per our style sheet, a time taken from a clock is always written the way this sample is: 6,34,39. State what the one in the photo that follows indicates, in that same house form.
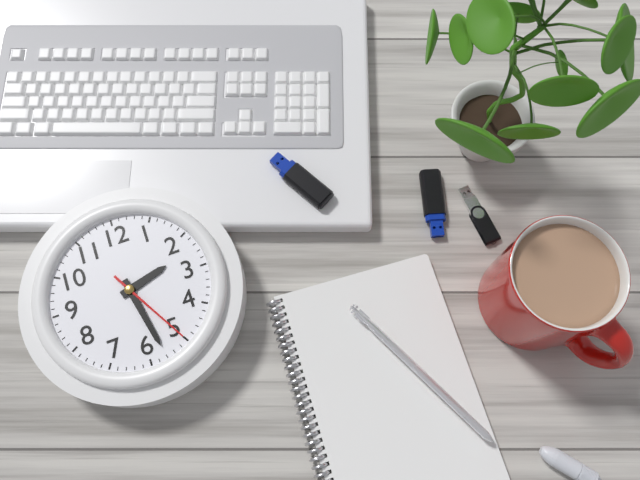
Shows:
2,28,25
